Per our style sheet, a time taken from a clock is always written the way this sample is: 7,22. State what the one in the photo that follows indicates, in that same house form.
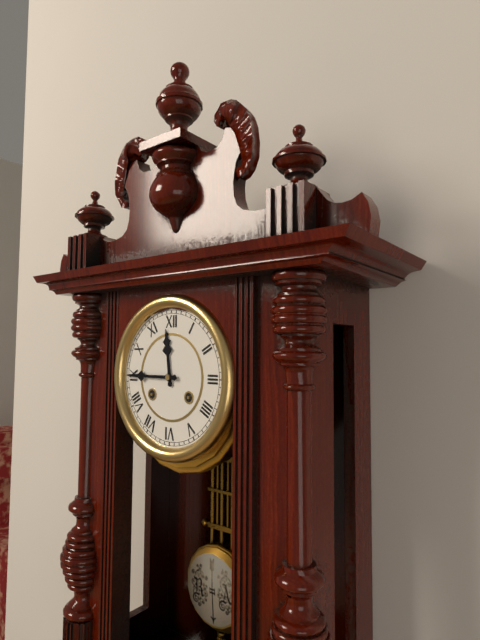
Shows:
11,45
